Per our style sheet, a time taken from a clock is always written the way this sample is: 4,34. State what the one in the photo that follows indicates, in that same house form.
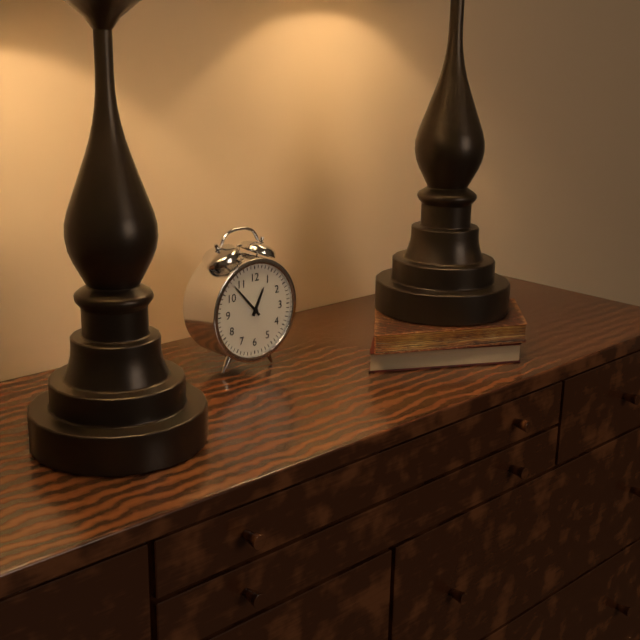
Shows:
12,53
